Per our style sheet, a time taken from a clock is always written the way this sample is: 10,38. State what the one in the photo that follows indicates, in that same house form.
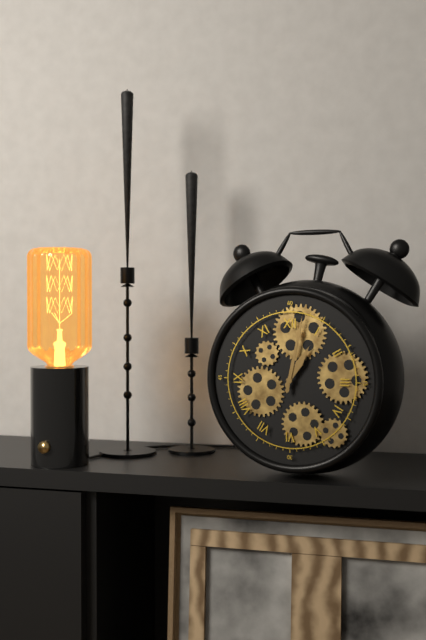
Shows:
1,02
